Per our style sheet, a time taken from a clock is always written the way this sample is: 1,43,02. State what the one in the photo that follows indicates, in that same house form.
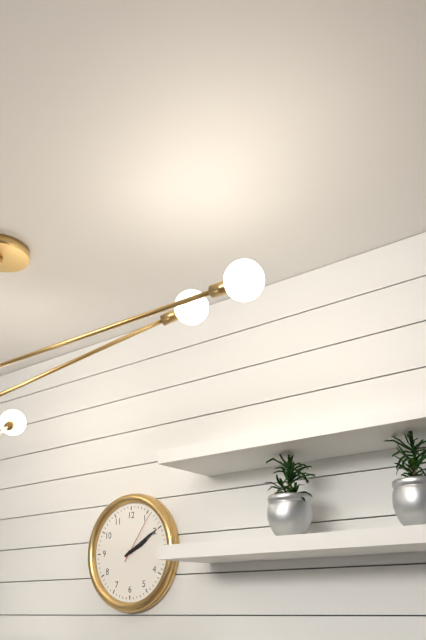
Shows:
2,10,06
